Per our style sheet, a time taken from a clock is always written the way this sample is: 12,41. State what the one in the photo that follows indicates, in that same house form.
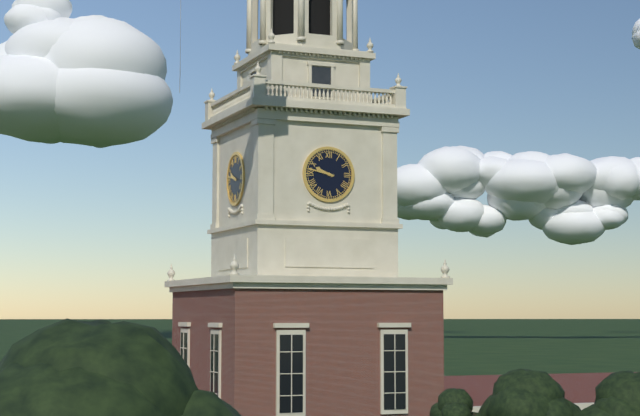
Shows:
9,47
